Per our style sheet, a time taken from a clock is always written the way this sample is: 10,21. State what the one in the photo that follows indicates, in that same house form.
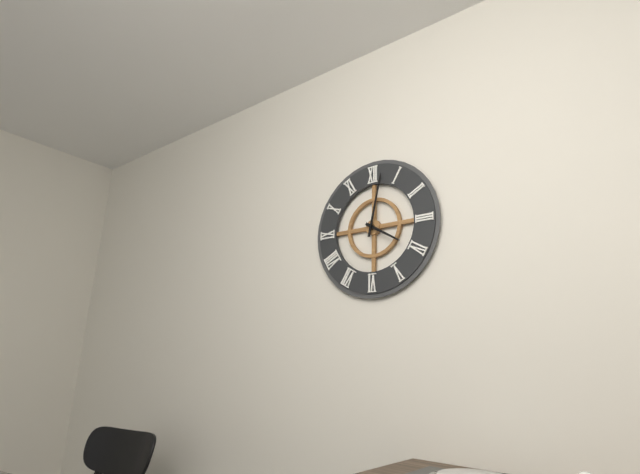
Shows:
4,02
